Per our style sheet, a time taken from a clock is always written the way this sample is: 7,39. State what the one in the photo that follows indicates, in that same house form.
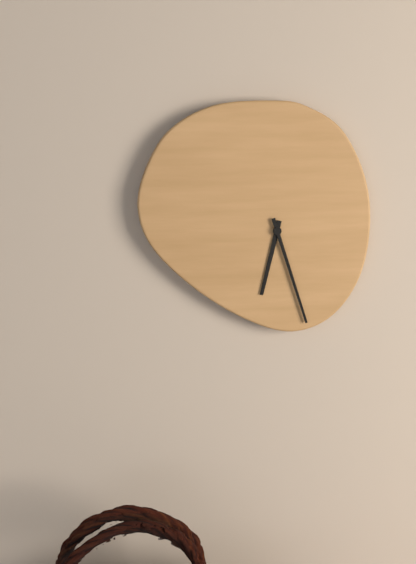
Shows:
6,27
